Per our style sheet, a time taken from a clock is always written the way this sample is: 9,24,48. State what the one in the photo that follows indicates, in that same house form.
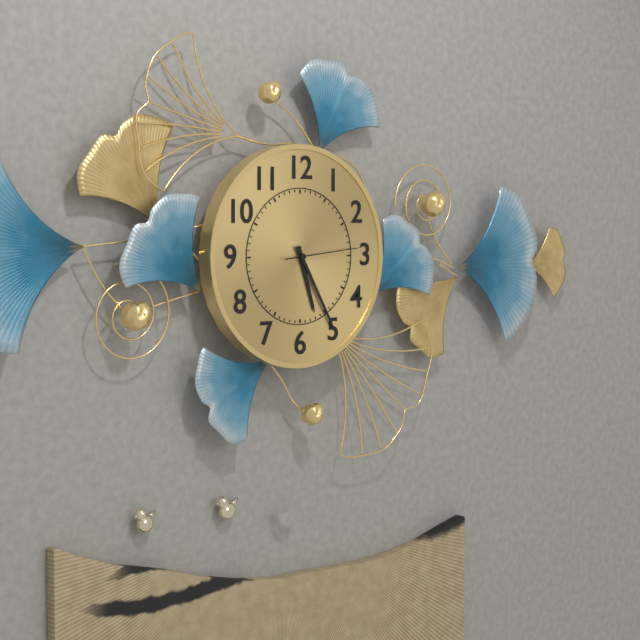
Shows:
5,25,14
